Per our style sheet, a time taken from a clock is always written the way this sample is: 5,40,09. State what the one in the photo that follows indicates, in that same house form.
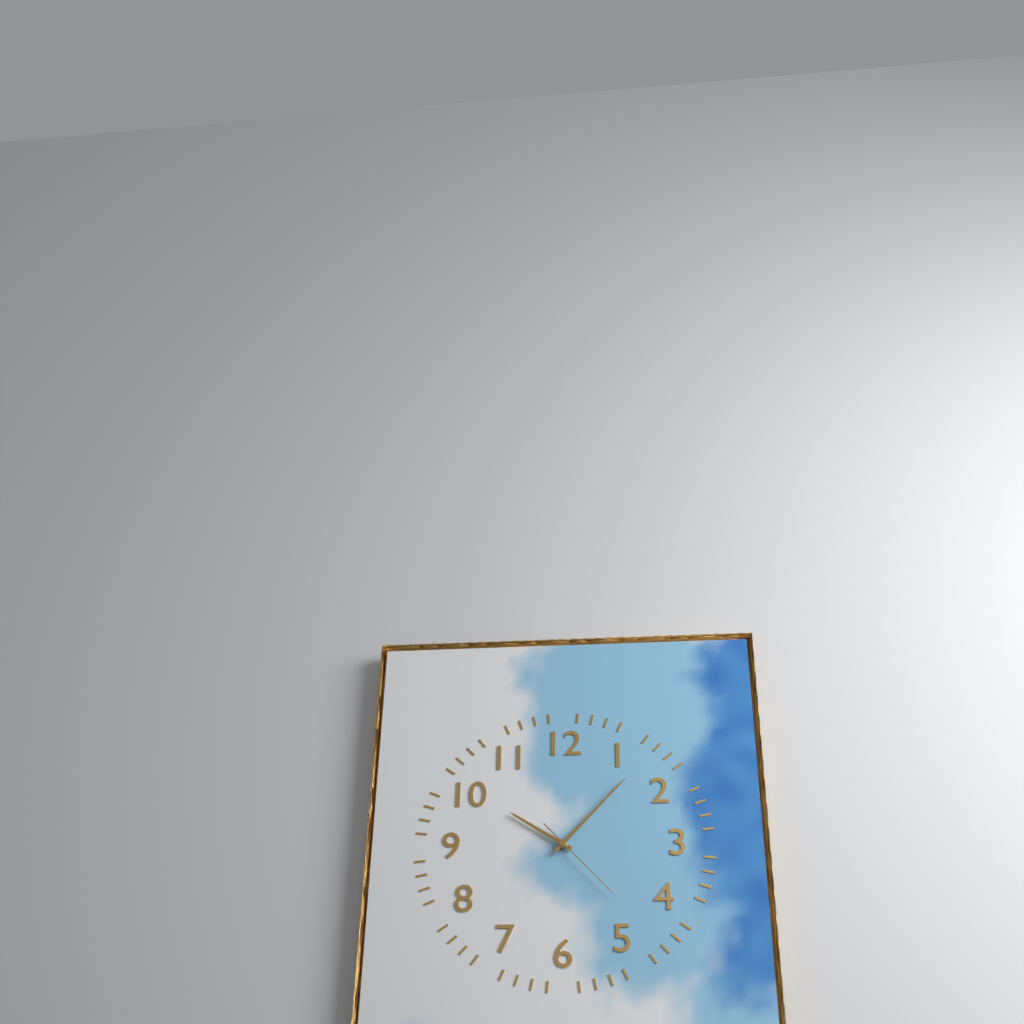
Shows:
10,07,23
